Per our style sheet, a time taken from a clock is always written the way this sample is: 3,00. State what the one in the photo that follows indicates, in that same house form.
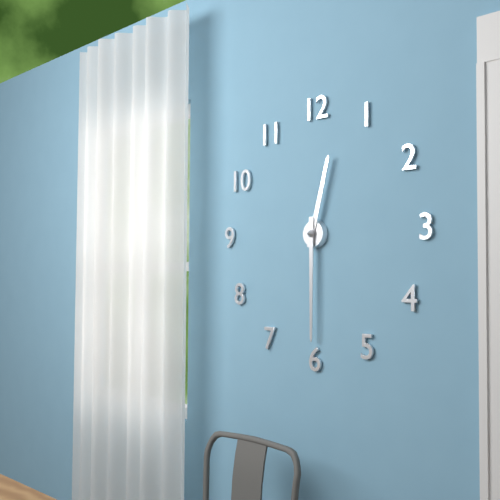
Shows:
12,30
